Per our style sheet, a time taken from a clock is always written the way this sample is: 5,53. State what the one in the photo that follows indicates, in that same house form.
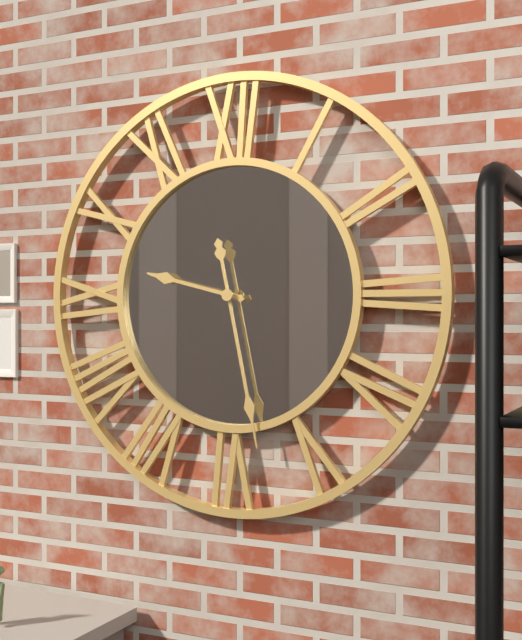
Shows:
9,28
